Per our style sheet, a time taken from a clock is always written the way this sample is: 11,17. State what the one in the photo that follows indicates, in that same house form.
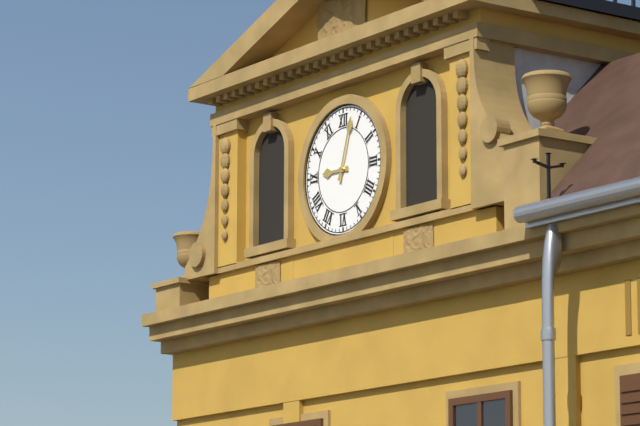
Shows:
9,03
